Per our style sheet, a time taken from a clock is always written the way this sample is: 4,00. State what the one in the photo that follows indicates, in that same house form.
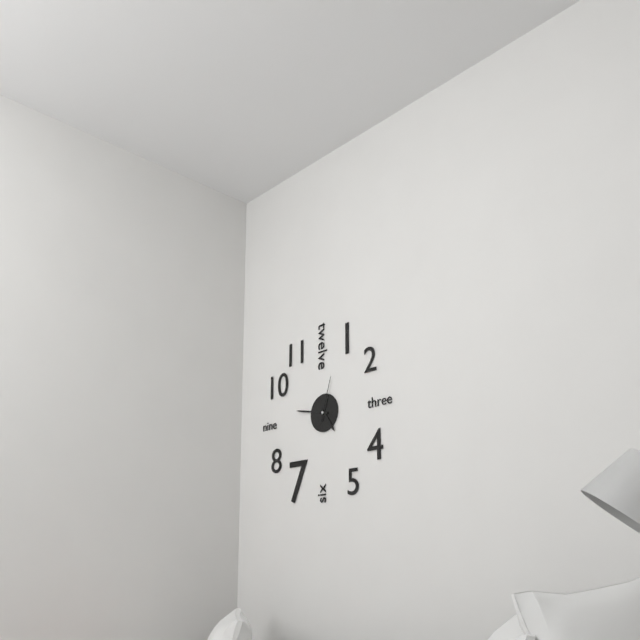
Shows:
4,47
